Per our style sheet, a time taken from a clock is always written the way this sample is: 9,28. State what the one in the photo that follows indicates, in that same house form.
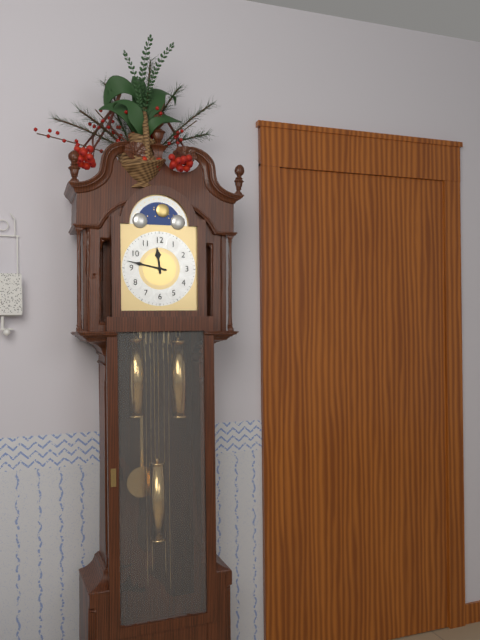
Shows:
11,47
